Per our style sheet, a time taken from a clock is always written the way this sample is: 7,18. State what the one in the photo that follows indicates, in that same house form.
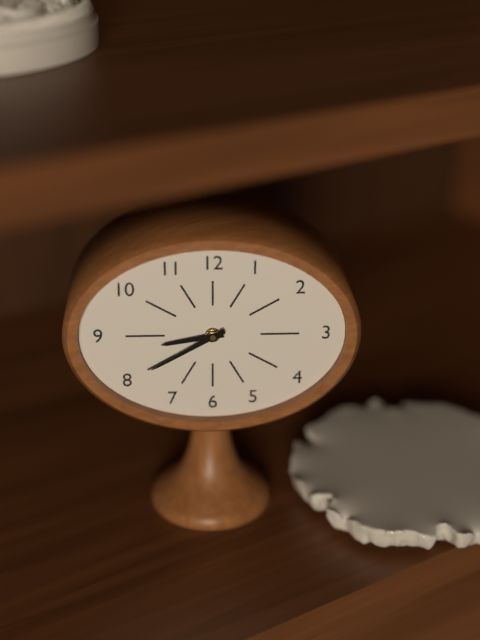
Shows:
8,40
